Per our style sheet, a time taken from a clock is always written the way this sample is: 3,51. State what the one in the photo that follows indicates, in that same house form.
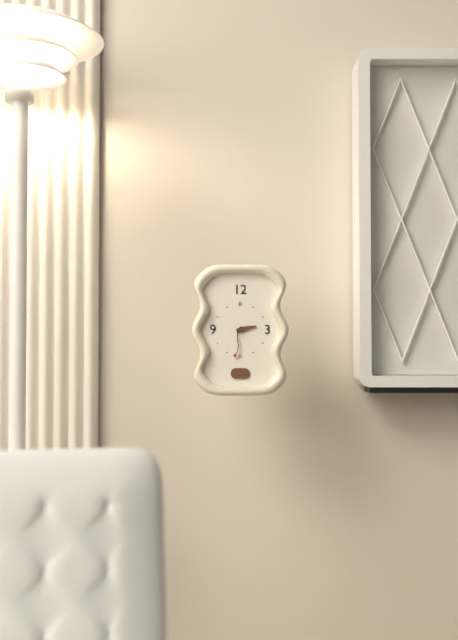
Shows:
2,32
